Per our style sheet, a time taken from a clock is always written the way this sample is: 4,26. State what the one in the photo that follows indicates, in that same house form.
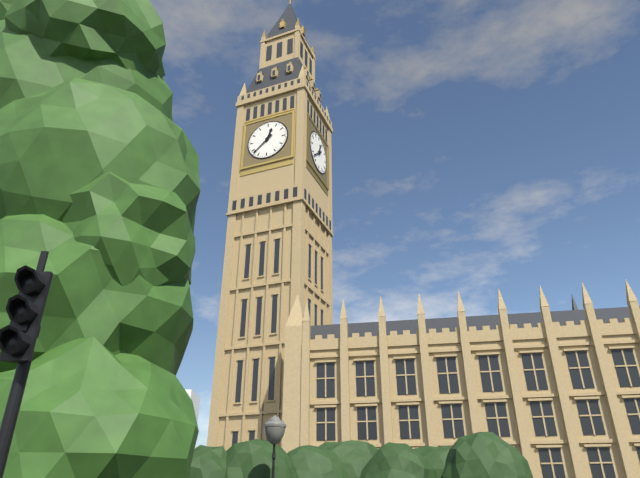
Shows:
12,38
